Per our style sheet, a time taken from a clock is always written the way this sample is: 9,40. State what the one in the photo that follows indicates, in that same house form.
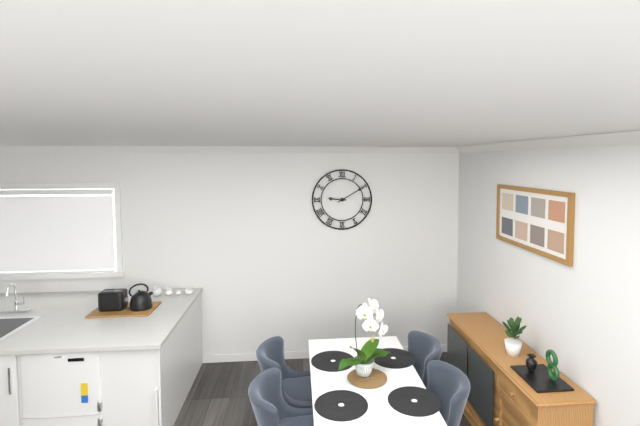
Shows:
9,10
